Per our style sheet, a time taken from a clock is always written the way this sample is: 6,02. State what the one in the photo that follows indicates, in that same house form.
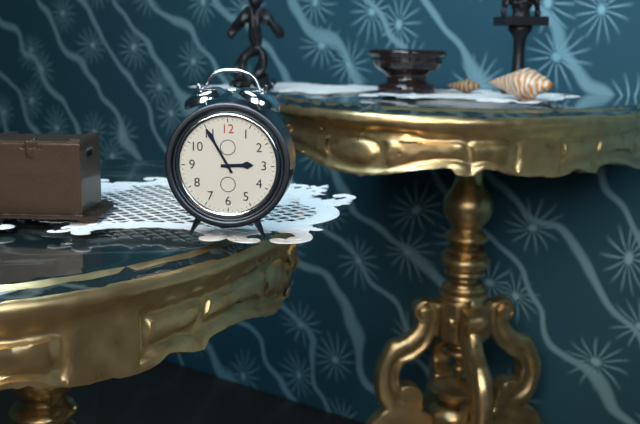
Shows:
2,55
